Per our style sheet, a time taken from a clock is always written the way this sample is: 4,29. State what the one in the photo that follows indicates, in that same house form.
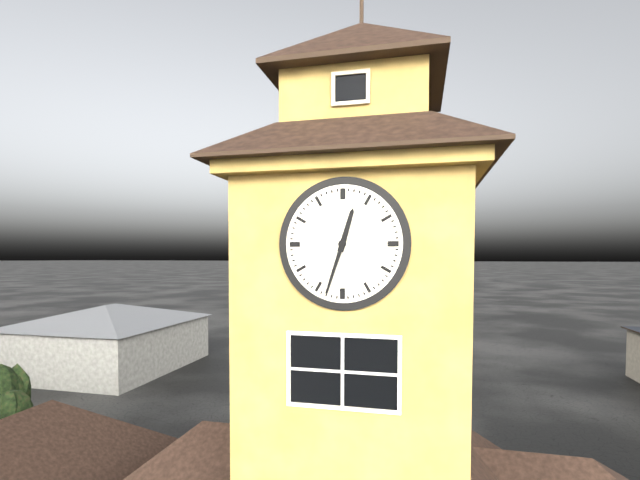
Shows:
12,33
